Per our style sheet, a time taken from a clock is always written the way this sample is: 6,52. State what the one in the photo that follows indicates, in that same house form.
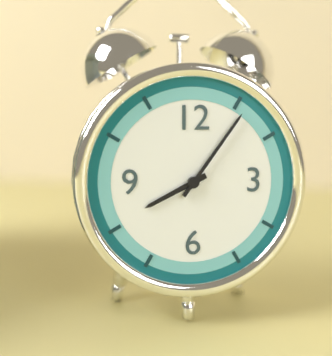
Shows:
8,06
